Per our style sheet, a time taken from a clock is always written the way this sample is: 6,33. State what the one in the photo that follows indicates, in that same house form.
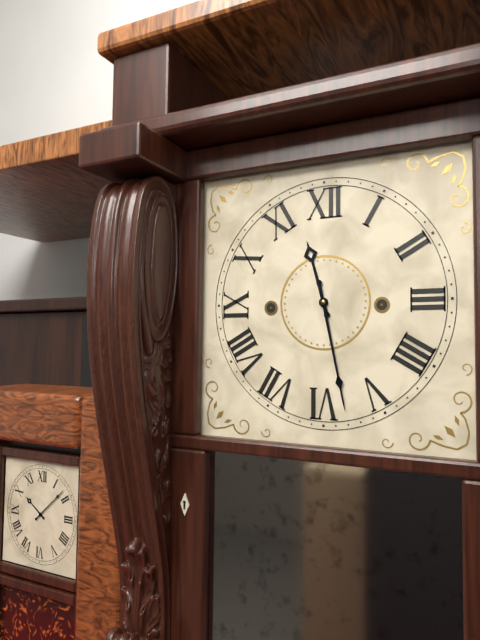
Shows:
11,28
